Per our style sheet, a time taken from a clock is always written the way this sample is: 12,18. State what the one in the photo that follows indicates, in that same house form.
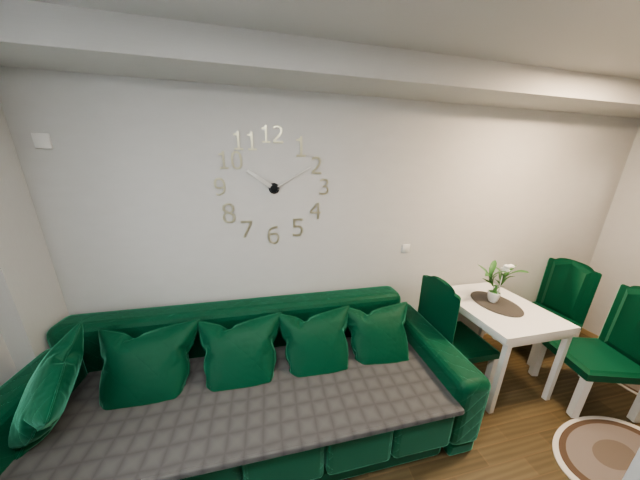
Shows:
10,10
